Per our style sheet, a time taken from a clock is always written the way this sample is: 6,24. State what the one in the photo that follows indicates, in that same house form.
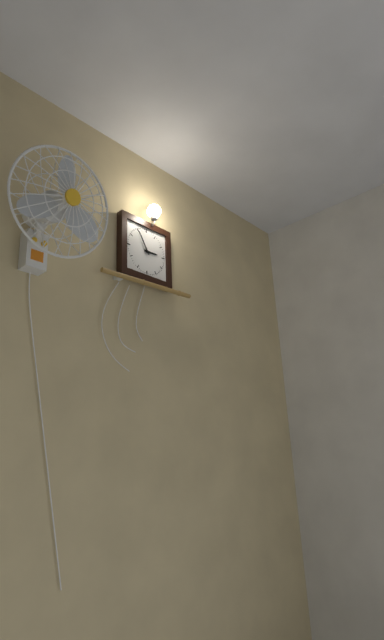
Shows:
2,55
